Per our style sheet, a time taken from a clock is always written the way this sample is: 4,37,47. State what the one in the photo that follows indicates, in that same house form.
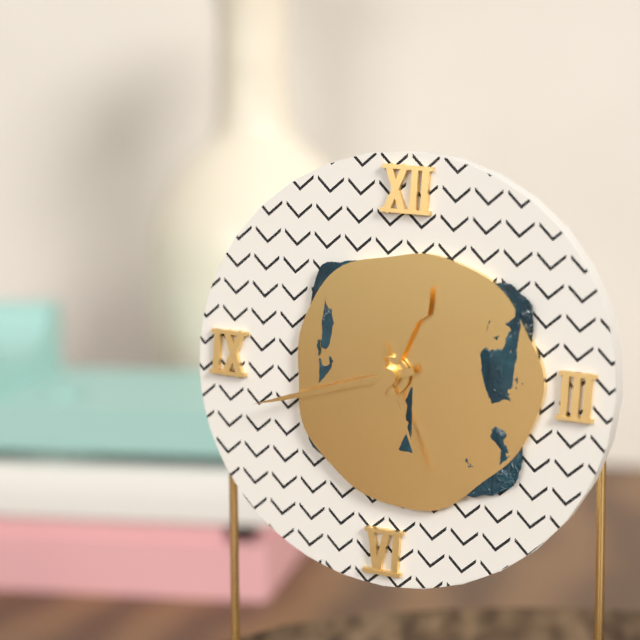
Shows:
12,42,26
